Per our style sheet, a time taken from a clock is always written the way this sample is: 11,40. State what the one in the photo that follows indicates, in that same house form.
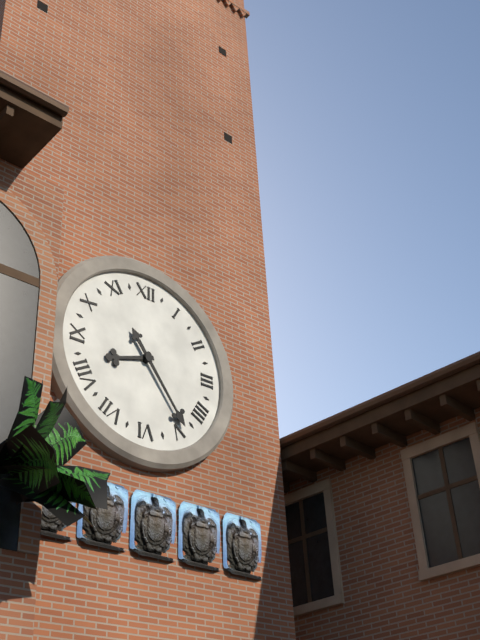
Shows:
8,24
